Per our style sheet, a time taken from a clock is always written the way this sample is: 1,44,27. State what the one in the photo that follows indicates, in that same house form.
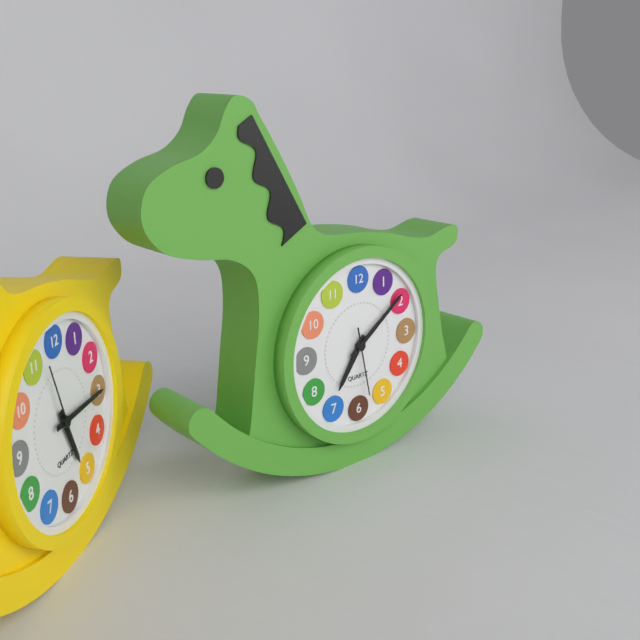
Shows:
7,09,28
